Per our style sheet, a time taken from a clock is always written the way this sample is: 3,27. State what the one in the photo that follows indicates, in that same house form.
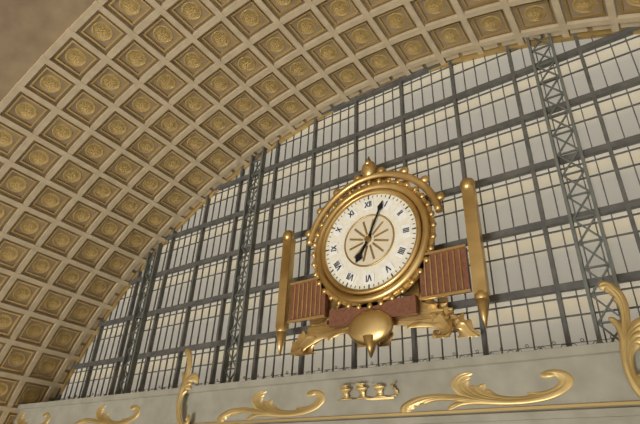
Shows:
7,04
